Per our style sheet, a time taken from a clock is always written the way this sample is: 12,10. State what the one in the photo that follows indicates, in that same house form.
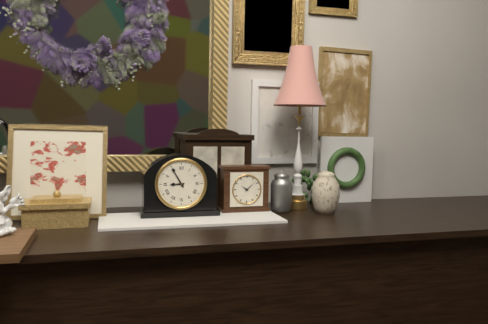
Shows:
8,55
